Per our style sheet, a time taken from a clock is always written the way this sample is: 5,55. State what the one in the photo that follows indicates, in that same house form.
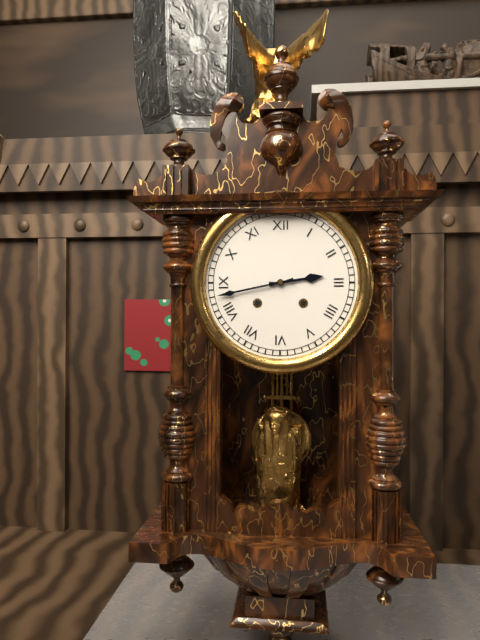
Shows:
2,43
